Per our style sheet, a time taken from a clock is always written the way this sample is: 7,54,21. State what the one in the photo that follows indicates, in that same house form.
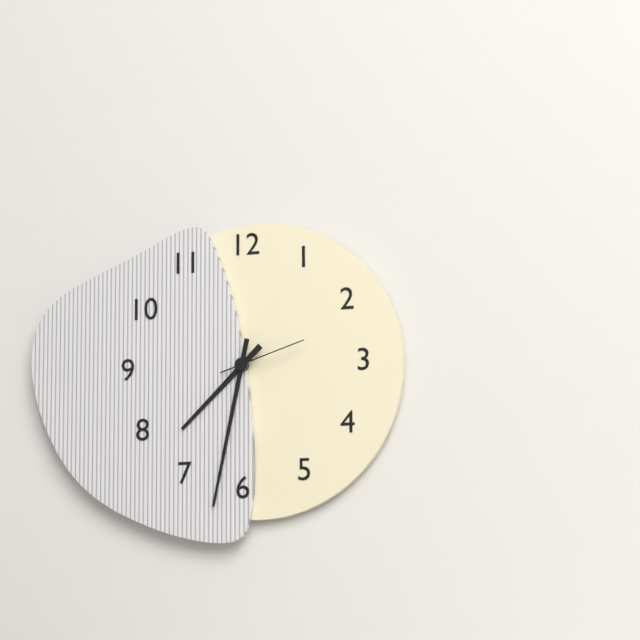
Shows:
7,32,12
